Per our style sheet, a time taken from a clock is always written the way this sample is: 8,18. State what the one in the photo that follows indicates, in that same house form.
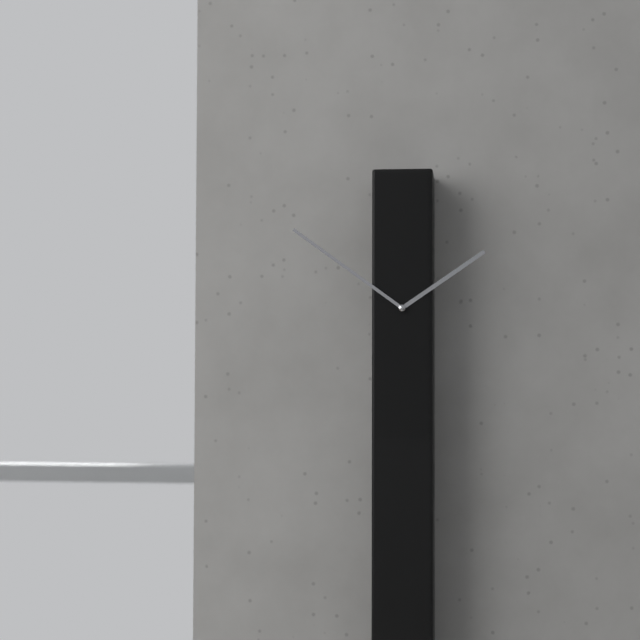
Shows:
1,51
